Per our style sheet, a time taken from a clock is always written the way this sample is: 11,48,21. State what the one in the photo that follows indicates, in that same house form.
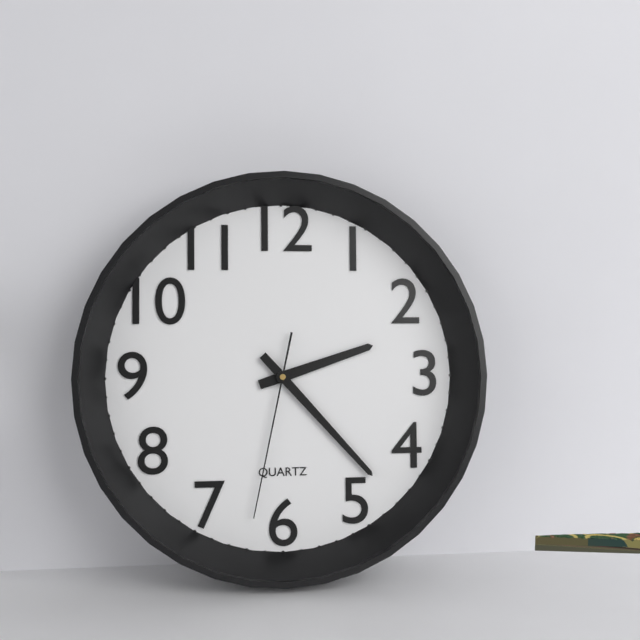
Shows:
2,23,32
